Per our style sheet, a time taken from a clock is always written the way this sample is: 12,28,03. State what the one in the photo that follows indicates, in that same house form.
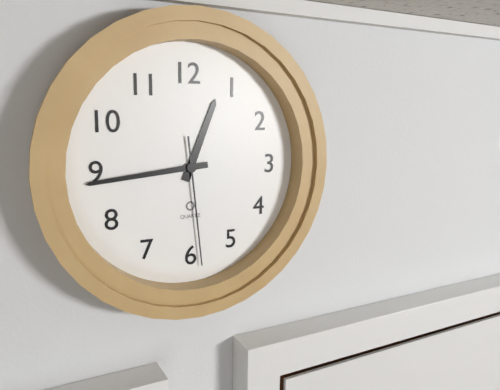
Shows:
12,44,29
